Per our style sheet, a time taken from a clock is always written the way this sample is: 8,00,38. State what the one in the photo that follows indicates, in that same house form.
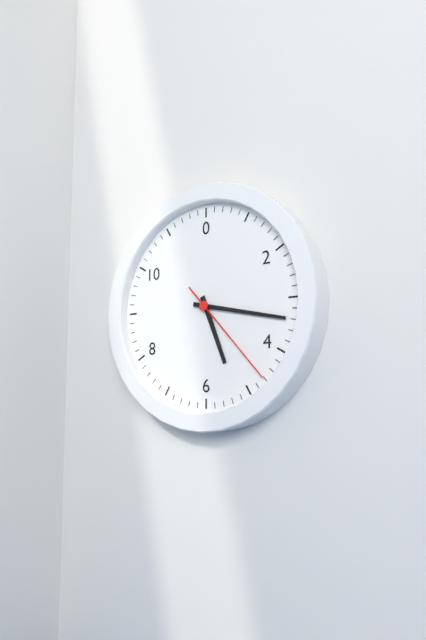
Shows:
5,17,23
